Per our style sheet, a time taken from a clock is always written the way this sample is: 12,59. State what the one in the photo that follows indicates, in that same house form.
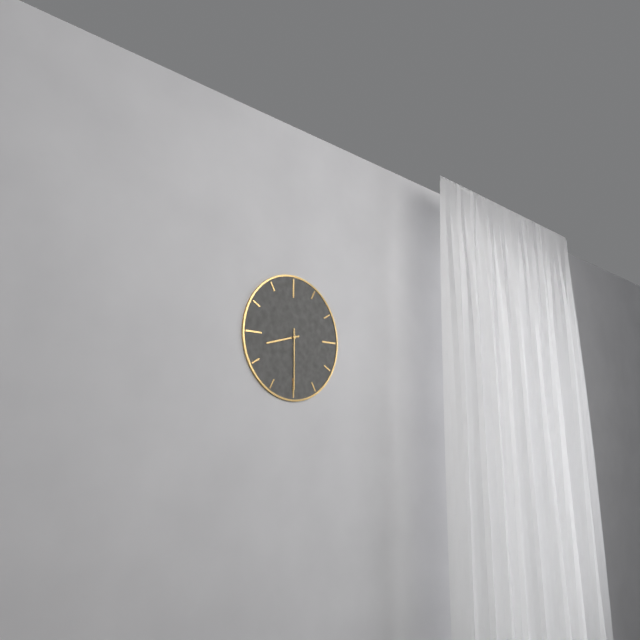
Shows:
8,30
